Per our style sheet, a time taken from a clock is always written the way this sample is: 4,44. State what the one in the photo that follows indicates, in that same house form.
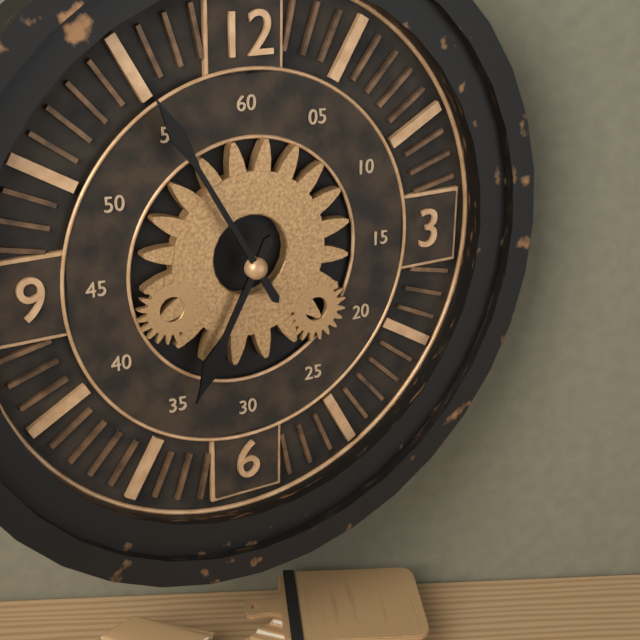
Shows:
6,55
